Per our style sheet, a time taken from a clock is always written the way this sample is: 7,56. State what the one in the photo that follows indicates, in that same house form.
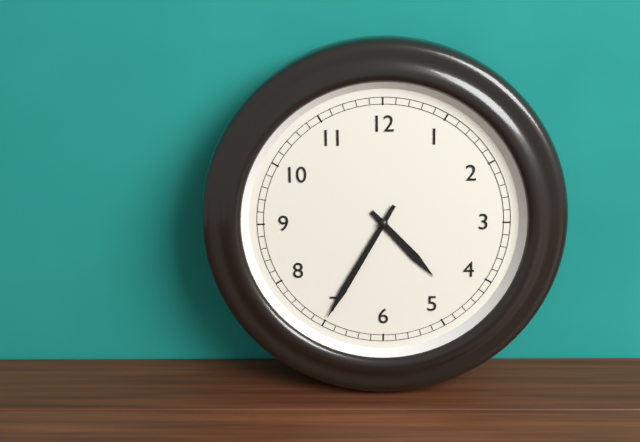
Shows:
4,35
